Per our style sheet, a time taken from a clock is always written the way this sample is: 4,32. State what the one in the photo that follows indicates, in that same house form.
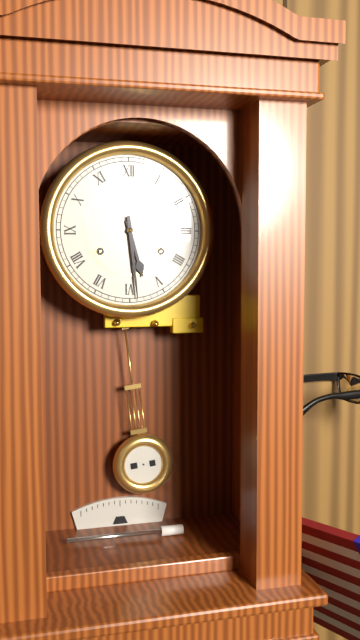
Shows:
5,29
